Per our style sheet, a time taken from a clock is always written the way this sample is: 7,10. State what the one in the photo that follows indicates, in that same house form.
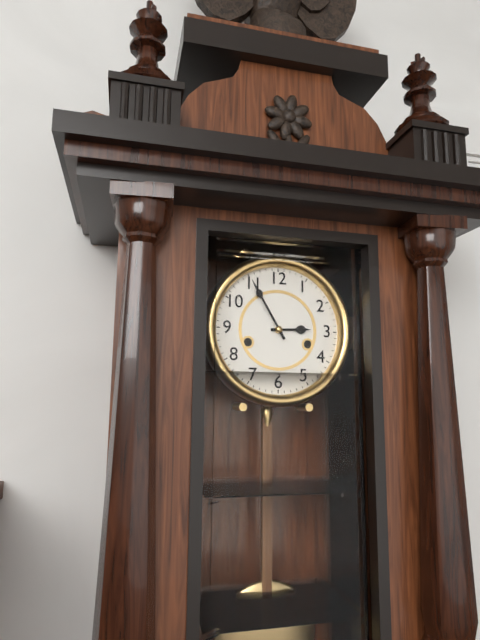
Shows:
2,55
